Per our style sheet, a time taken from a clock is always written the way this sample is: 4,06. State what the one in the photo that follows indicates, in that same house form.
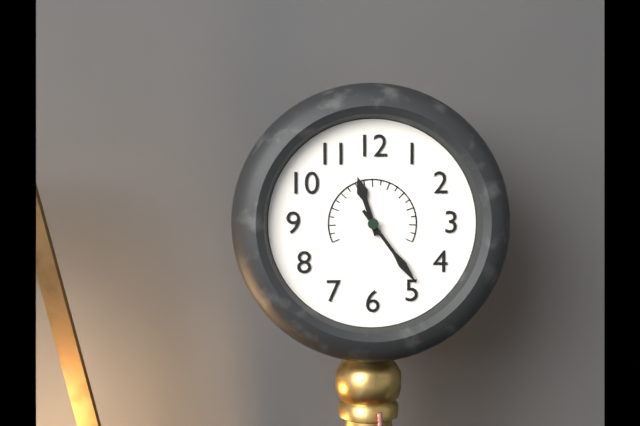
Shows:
11,24
